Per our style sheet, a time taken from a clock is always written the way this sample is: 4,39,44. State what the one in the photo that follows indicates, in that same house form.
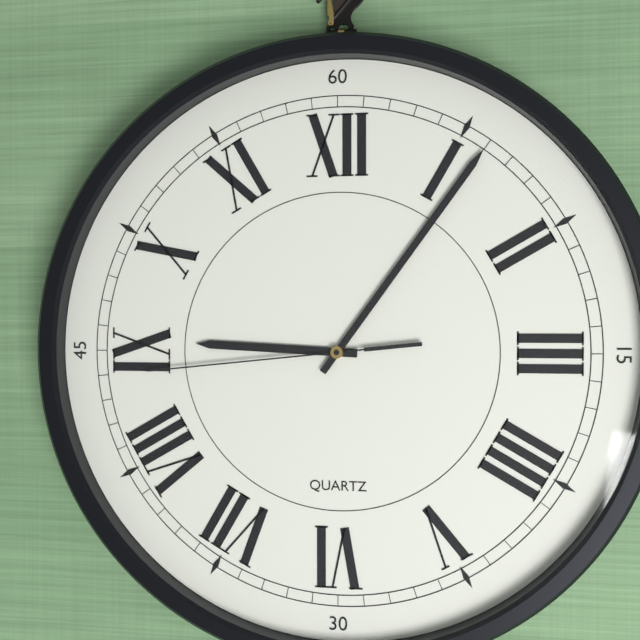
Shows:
9,06,44
